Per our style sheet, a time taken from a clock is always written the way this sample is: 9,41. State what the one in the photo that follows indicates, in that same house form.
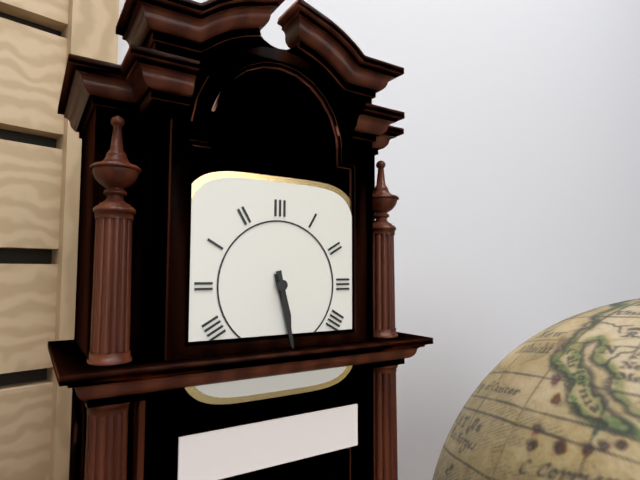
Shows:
5,28
